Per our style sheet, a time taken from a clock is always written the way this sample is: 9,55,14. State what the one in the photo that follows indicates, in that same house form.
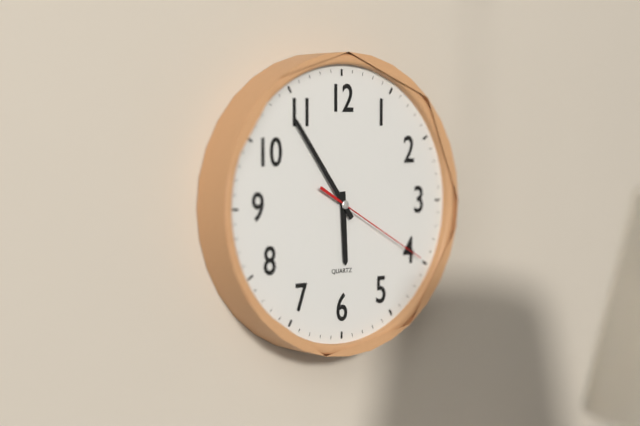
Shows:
5,54,20
